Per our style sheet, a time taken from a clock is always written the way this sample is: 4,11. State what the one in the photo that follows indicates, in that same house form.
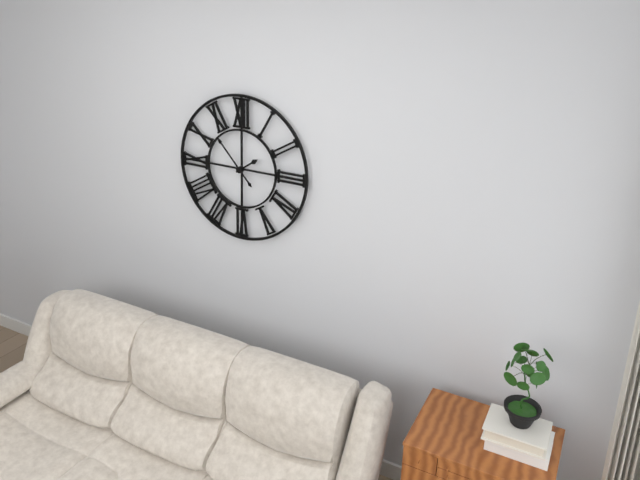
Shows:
1,53
